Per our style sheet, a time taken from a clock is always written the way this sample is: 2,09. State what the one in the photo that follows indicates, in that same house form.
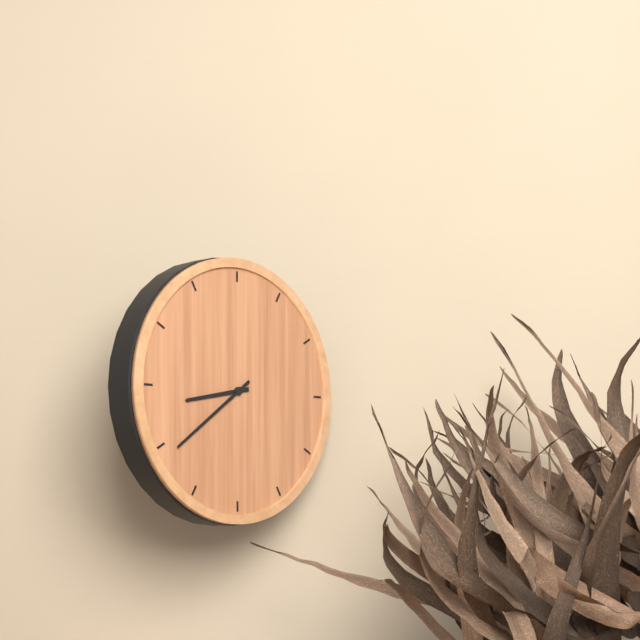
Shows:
8,39
